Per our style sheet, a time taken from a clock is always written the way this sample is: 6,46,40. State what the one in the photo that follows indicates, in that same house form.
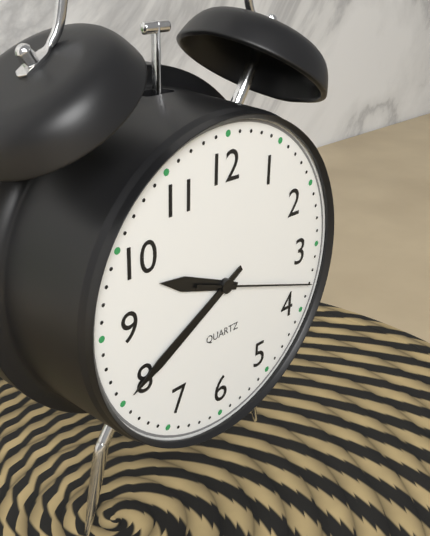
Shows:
9,40,18
